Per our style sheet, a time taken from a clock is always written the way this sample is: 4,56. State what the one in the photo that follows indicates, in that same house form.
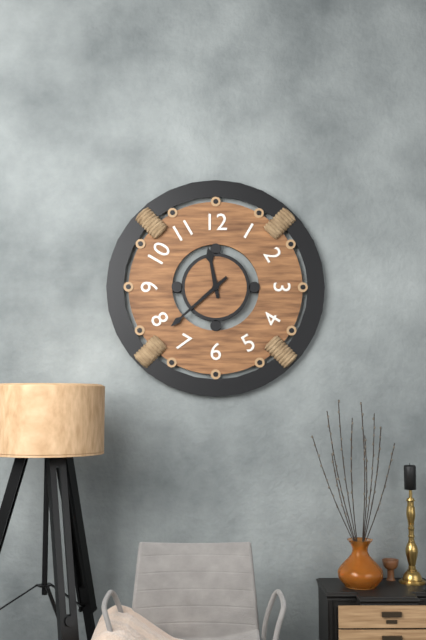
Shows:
11,38
